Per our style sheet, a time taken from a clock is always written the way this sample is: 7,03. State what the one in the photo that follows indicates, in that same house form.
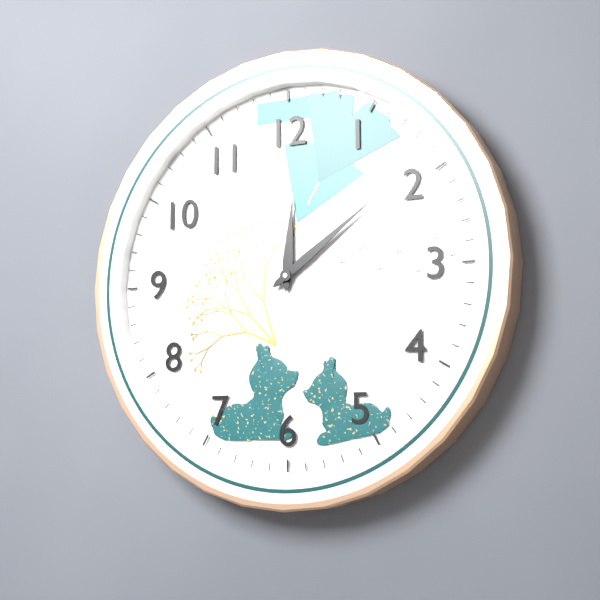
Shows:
12,09
